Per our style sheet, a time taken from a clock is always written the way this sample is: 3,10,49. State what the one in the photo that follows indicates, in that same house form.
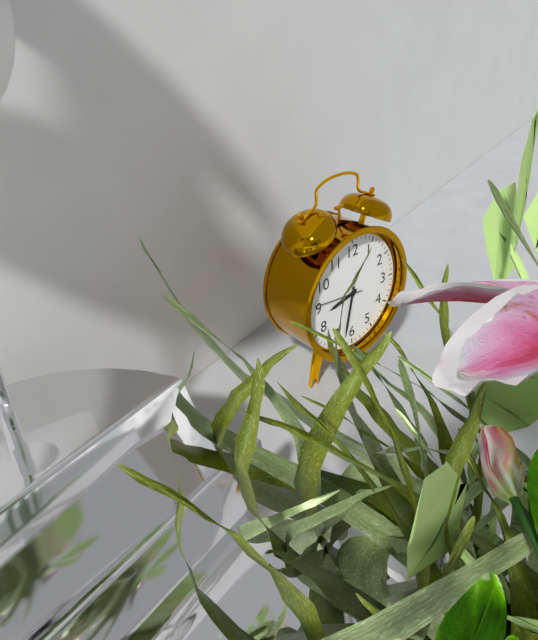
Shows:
8,32,46
